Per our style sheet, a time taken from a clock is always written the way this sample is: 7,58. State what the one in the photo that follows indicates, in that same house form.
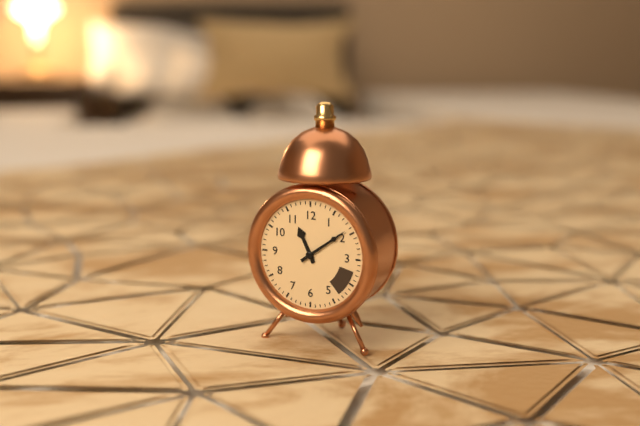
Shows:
11,09
